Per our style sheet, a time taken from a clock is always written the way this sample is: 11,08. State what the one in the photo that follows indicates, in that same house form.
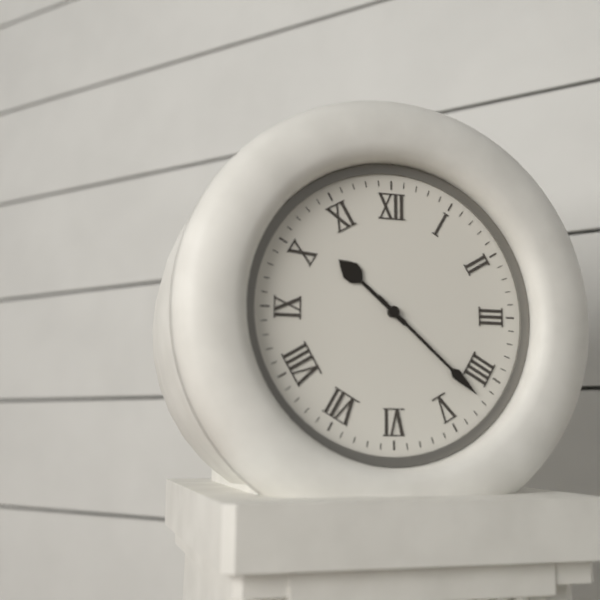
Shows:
10,22
